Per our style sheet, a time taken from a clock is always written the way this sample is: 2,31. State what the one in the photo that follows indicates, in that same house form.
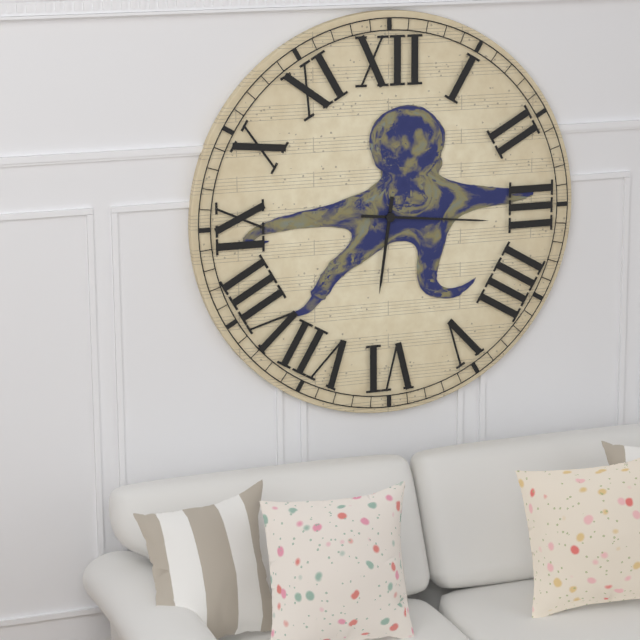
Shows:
6,16
